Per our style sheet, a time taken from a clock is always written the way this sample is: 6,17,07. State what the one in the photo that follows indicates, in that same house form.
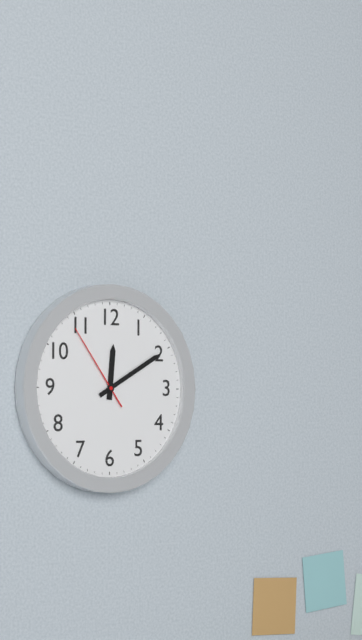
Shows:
12,10,54
